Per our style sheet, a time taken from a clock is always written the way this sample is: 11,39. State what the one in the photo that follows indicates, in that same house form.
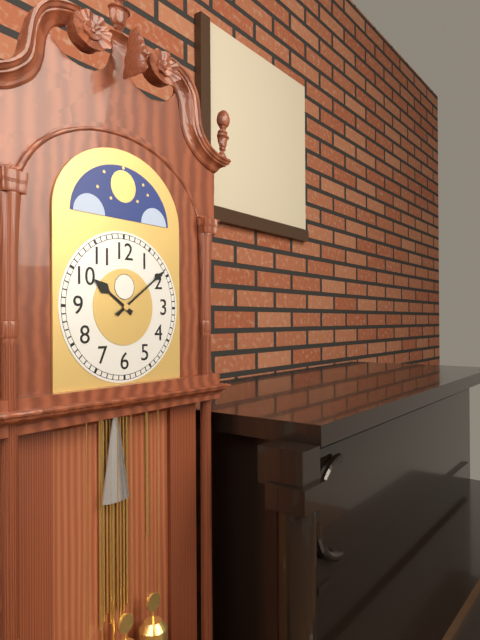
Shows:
10,09
